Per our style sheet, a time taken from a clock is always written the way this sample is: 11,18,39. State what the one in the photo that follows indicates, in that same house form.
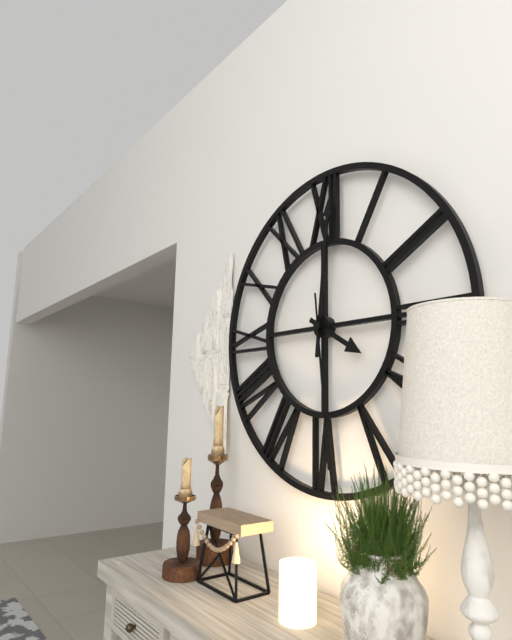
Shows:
4,01,29
